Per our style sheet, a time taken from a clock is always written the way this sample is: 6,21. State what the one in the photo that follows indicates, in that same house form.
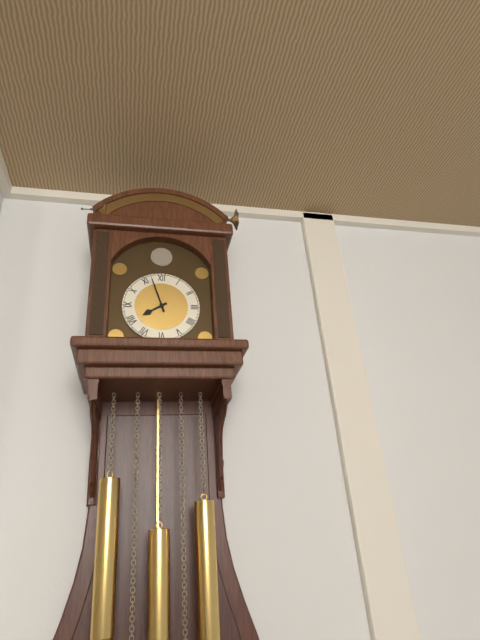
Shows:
7,57
